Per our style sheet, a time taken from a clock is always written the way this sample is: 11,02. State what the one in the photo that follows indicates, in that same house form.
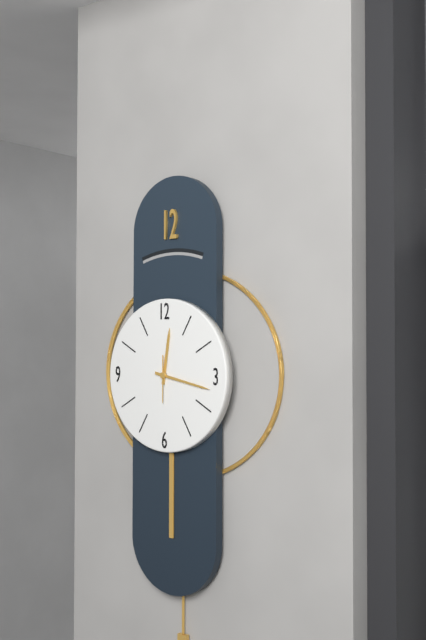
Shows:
12,17
